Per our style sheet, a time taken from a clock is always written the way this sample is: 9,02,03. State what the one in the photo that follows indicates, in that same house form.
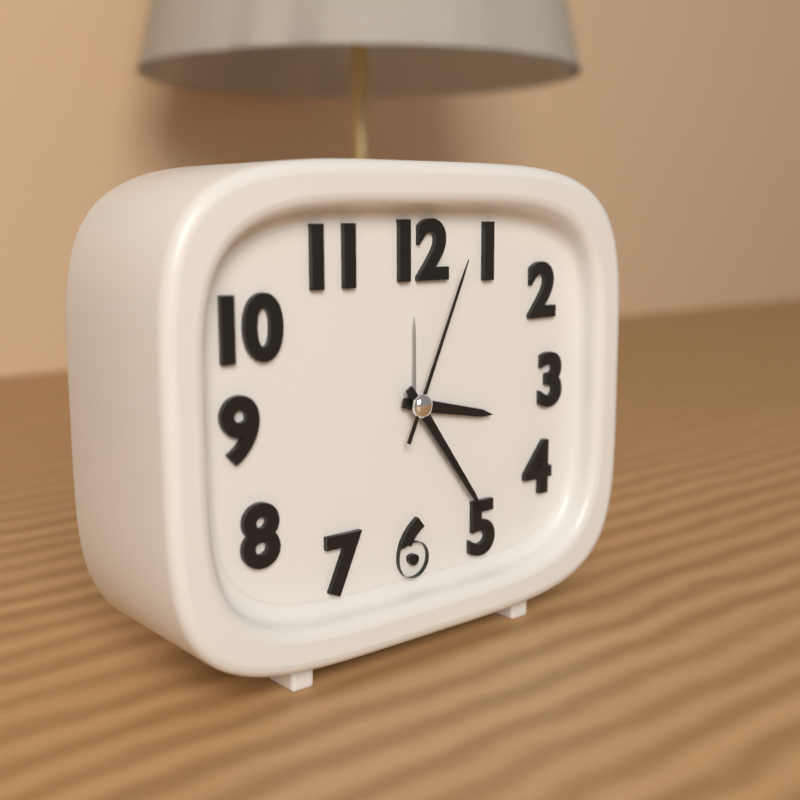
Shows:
3,24,04
